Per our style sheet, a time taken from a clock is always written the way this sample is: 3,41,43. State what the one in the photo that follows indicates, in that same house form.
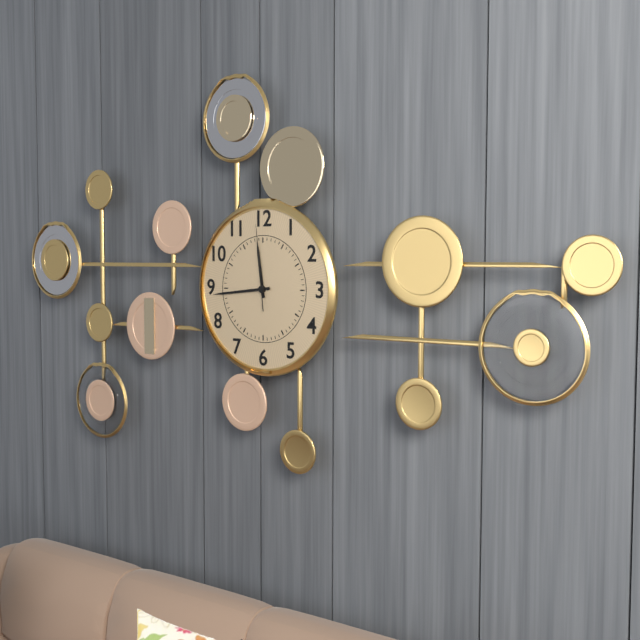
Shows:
11,44,59
